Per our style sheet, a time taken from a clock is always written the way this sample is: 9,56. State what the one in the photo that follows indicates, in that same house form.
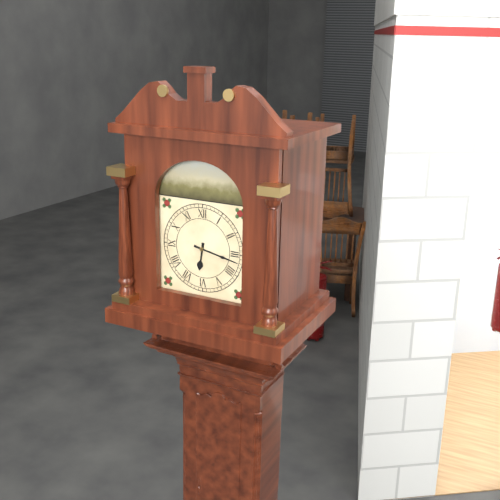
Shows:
6,17
